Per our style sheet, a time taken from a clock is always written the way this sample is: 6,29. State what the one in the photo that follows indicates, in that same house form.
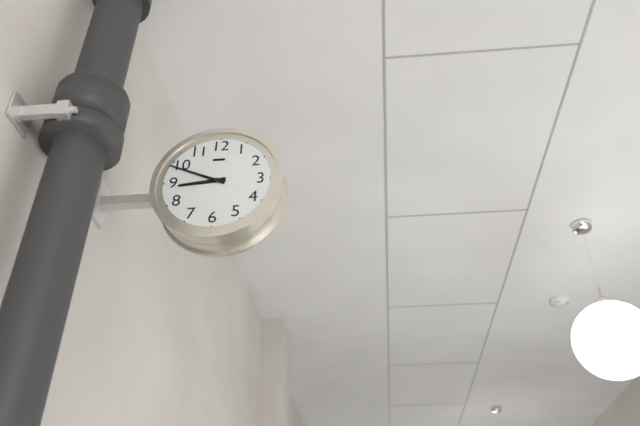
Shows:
8,49
